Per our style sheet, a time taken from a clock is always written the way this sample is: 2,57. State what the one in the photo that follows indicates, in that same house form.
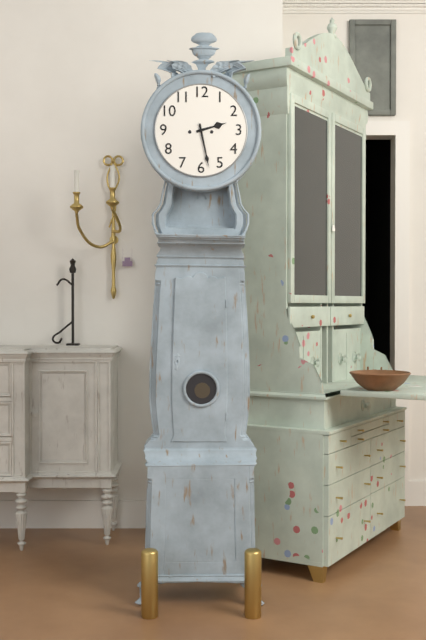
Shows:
2,28
